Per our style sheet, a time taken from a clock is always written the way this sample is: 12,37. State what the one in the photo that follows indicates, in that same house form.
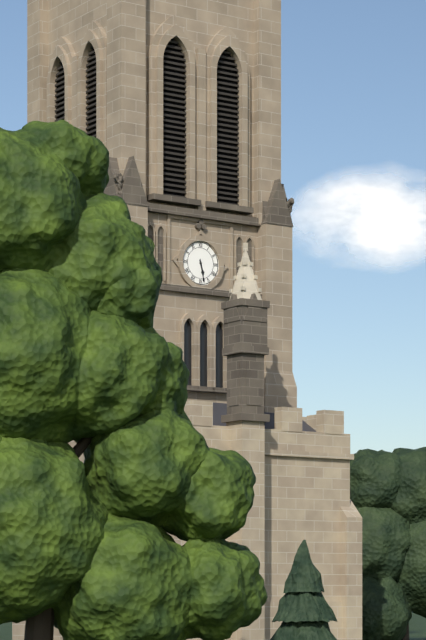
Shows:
5,28
